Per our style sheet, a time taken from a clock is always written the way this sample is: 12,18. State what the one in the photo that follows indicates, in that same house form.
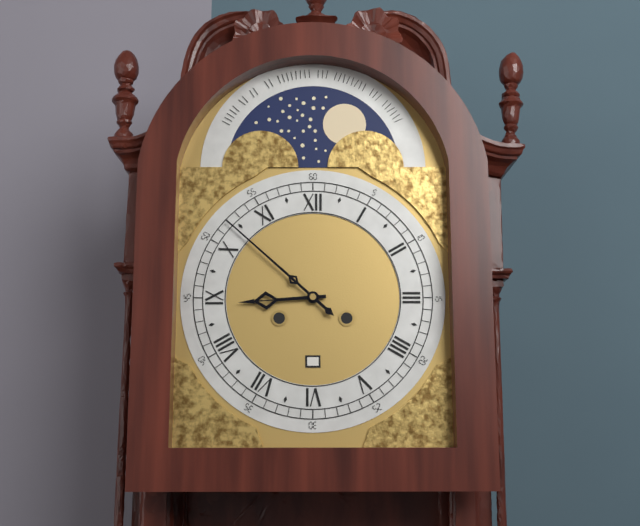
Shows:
8,52
